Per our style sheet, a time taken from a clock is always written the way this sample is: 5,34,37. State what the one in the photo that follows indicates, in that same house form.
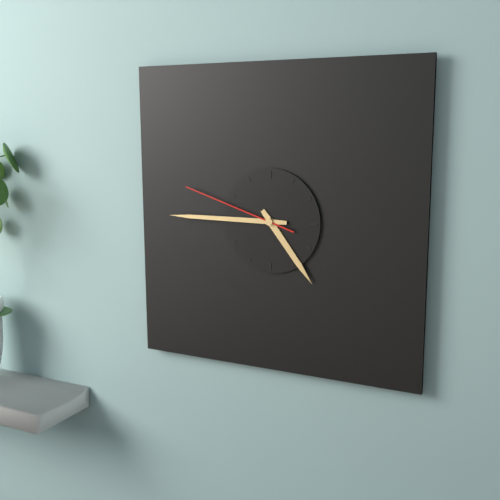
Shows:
4,45,48
